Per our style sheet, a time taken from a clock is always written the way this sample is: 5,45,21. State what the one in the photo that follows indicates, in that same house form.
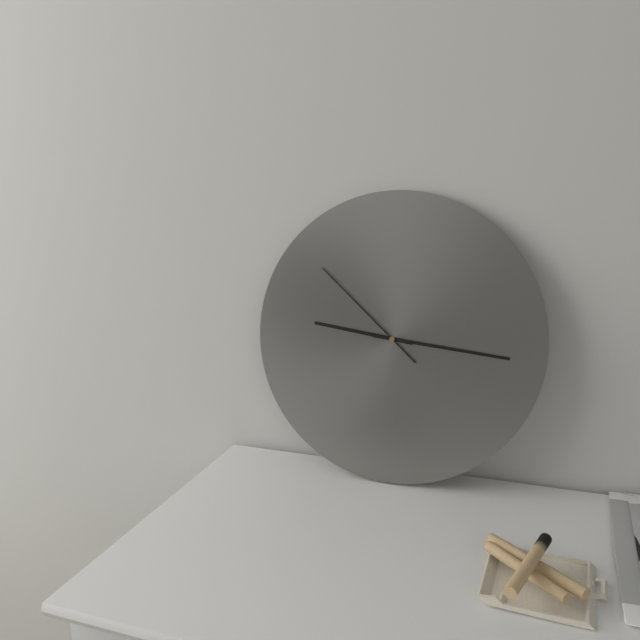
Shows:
9,16,52
